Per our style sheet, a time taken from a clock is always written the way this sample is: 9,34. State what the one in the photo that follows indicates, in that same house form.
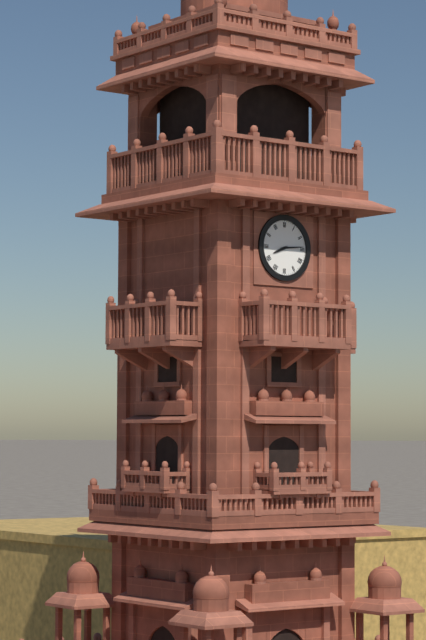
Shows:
8,14
